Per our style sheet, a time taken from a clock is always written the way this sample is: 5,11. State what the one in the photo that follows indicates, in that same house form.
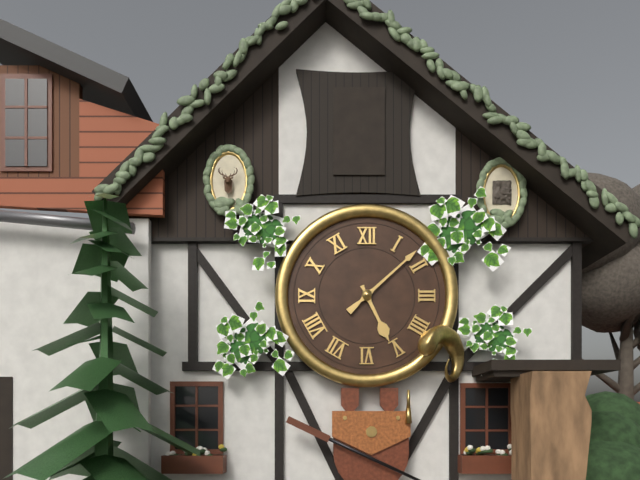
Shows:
5,08
